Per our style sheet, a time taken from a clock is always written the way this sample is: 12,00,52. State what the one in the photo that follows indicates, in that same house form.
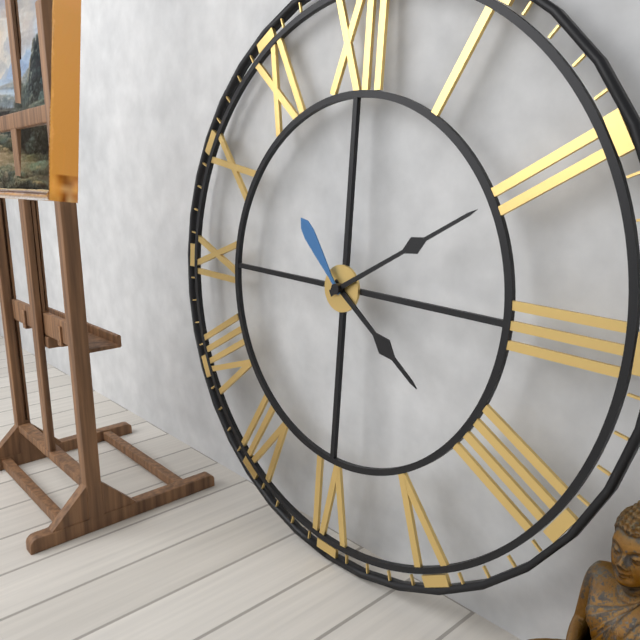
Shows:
4,10,53
